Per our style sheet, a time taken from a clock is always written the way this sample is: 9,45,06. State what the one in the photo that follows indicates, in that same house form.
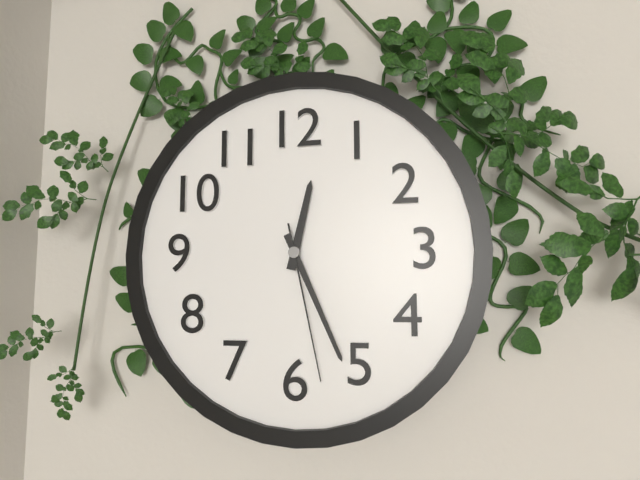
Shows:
12,26,28
